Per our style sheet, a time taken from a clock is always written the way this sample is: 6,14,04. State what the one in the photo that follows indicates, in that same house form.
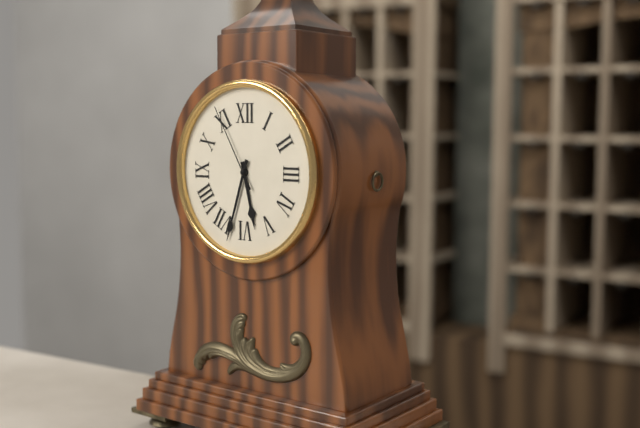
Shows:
5,33,55
